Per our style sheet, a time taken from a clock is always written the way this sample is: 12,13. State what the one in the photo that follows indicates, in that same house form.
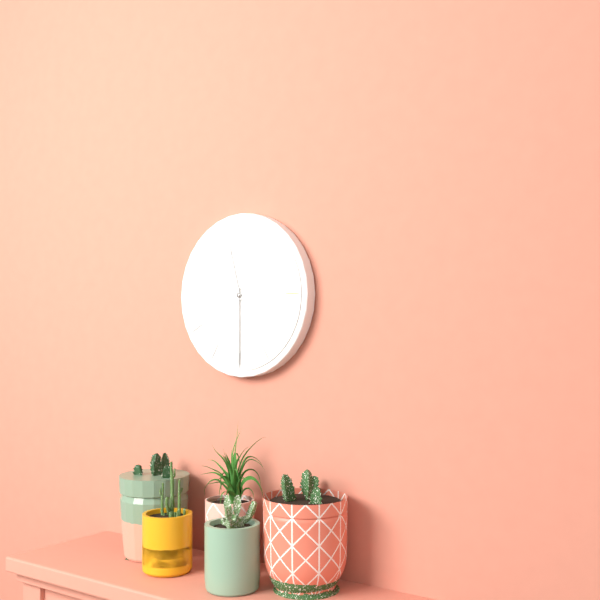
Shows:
11,30
